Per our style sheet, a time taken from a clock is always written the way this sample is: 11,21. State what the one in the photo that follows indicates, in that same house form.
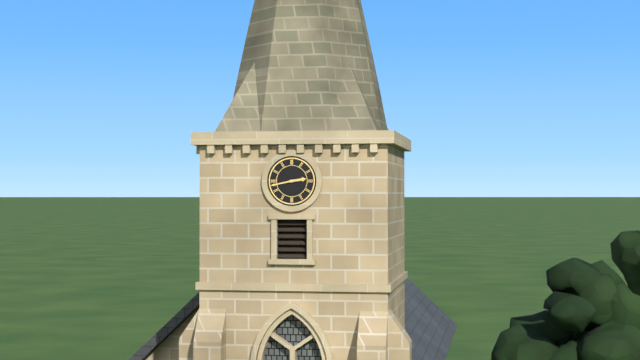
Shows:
2,43
